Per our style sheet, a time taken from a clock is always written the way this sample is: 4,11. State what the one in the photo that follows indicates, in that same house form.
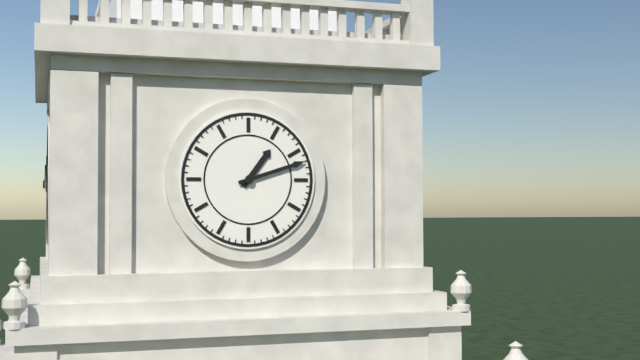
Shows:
1,12
